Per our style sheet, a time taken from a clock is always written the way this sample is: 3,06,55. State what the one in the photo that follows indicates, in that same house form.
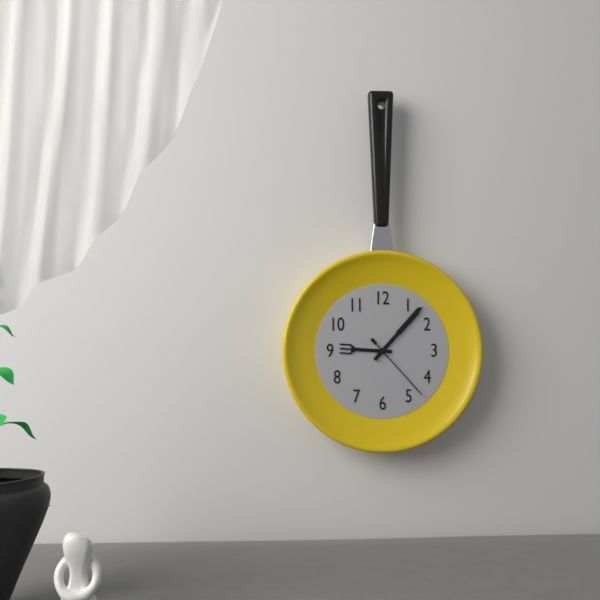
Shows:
9,07,23
